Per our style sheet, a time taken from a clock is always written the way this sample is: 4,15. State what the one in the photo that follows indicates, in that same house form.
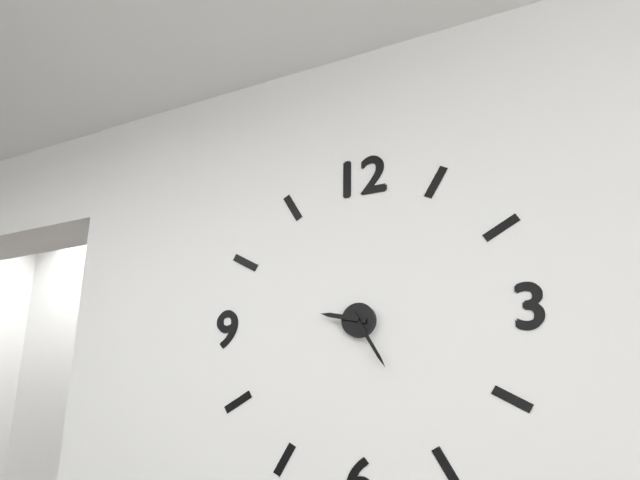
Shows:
9,25
